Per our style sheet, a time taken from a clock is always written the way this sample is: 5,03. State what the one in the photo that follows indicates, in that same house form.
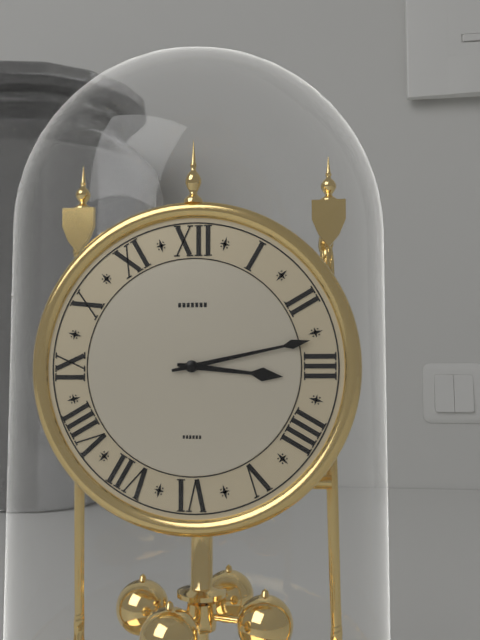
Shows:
3,13
